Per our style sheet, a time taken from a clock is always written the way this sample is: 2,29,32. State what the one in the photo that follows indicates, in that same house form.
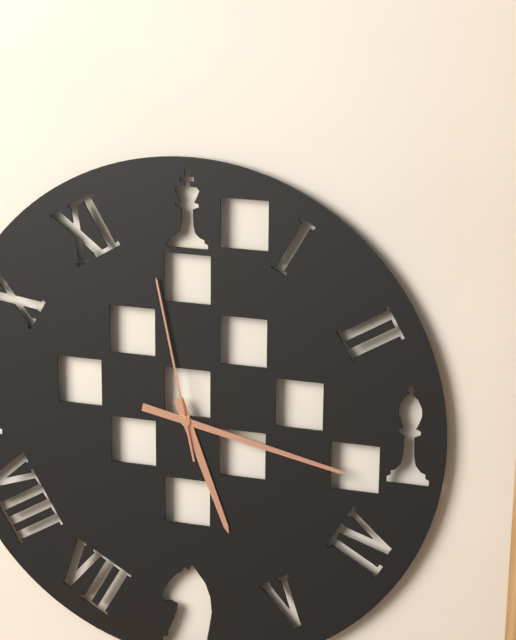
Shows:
5,17,58
